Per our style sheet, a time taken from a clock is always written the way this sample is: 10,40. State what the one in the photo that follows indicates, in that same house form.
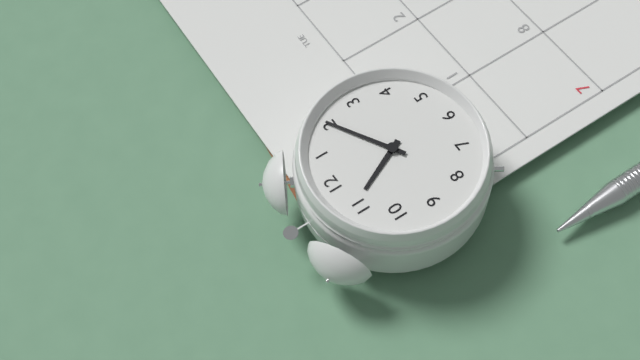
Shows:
11,10
